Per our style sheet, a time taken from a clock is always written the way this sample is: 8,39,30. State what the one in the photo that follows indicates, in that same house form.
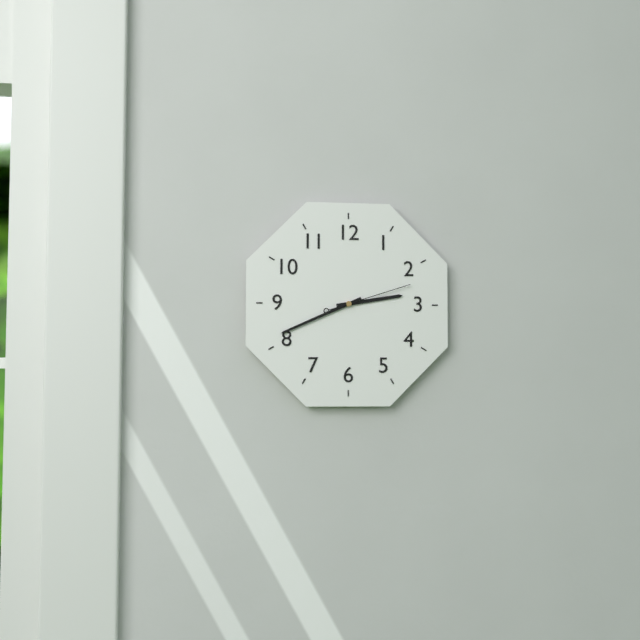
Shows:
2,41,12
